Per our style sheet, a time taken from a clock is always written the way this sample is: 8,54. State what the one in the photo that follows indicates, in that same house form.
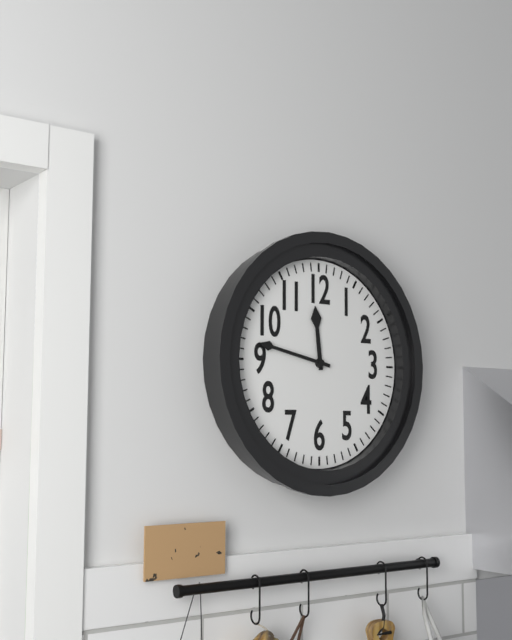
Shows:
11,47
